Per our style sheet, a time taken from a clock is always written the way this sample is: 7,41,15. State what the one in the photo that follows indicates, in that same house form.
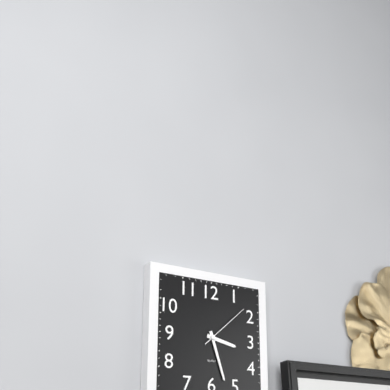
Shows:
3,27,08
